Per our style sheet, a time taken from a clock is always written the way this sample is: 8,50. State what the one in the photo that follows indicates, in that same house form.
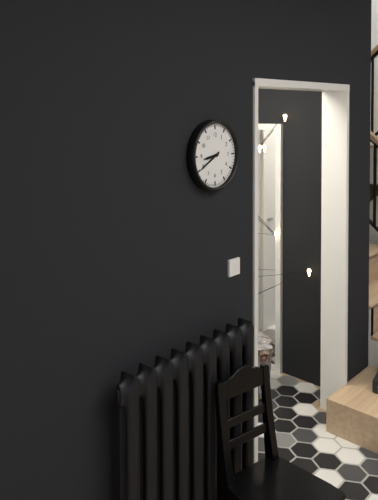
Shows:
8,40
